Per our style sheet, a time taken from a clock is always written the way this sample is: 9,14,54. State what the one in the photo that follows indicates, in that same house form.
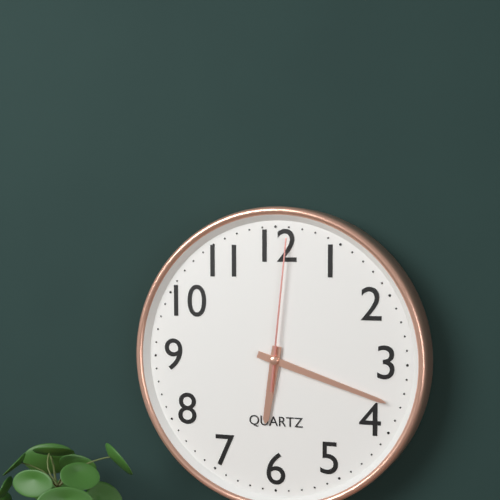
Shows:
6,18,01
